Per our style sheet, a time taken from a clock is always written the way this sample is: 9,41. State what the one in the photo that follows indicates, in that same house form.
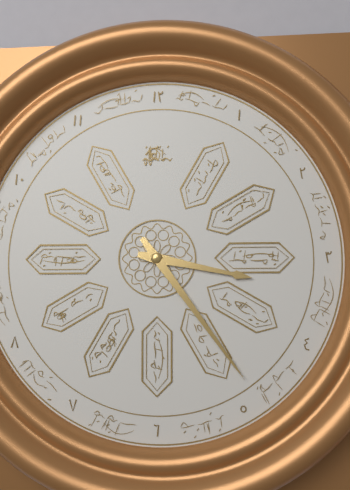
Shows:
3,24
